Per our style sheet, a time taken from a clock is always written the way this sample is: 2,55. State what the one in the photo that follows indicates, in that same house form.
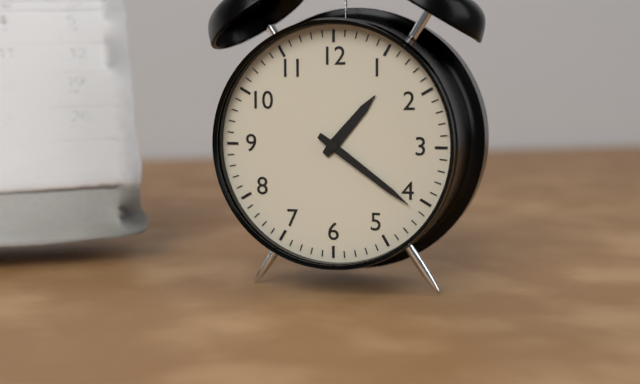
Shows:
1,21
